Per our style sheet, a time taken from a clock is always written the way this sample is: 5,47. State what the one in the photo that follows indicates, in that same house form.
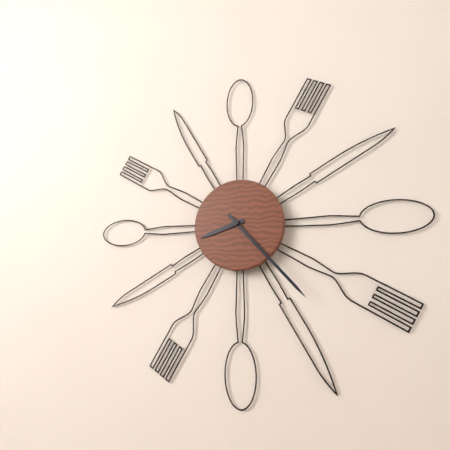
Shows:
8,23
